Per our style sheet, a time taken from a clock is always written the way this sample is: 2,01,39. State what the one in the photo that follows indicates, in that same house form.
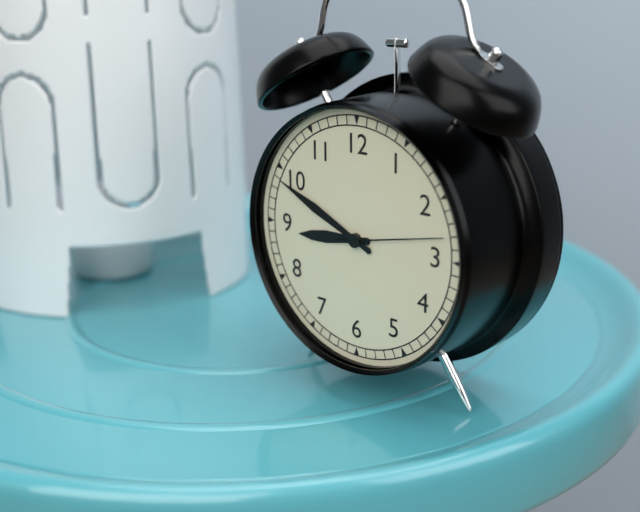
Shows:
8,49,13
